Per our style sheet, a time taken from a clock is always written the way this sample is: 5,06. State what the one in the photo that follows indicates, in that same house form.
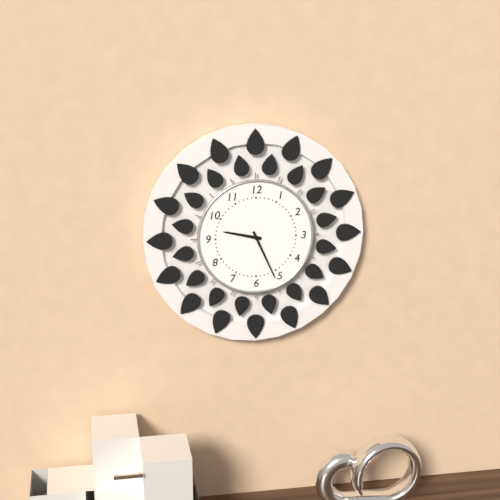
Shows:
9,26
